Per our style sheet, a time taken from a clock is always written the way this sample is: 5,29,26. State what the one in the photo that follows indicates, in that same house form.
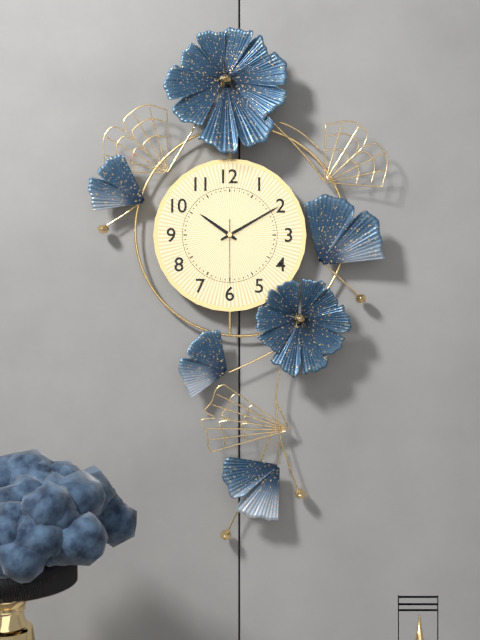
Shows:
10,10,30
